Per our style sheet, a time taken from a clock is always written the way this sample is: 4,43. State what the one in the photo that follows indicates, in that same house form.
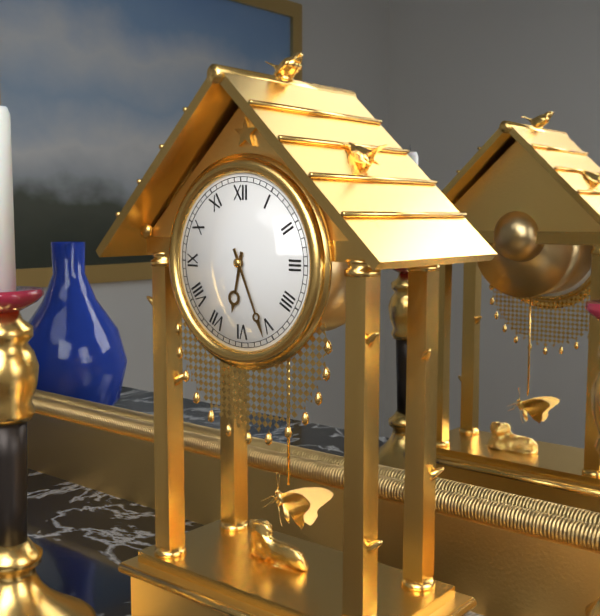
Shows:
6,26
